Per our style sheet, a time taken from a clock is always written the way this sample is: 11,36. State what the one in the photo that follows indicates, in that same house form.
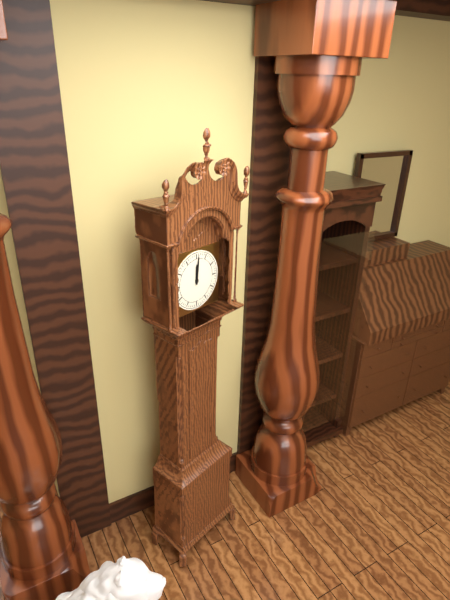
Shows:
12,01
